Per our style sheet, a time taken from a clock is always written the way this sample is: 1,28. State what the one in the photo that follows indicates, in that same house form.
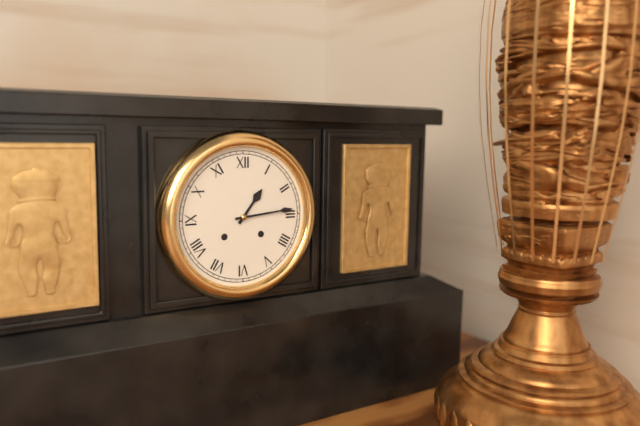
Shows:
1,14
